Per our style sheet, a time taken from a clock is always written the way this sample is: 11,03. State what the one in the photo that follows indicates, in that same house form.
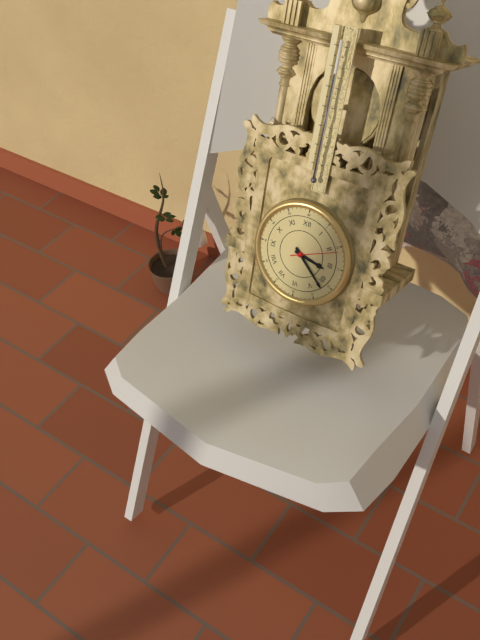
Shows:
3,22
